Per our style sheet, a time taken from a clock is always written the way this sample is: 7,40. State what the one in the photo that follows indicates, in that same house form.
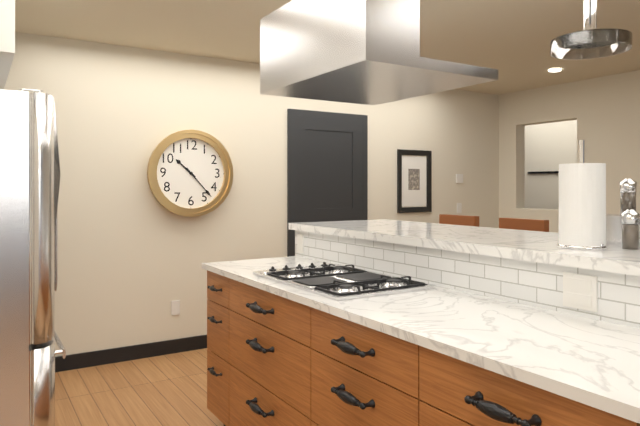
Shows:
10,23
